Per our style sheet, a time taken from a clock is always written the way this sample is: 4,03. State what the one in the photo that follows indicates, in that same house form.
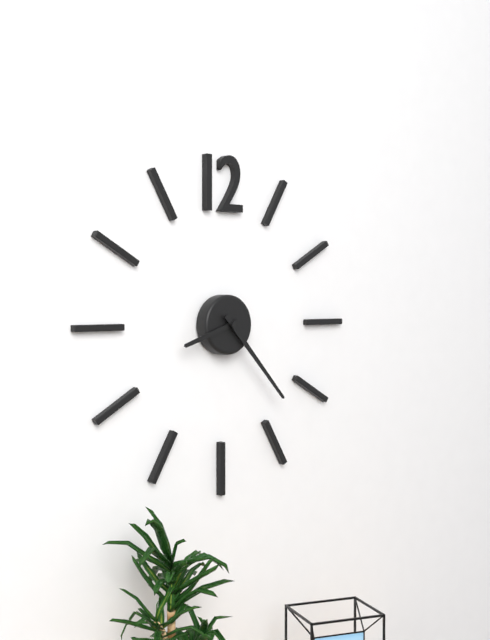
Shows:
8,23
